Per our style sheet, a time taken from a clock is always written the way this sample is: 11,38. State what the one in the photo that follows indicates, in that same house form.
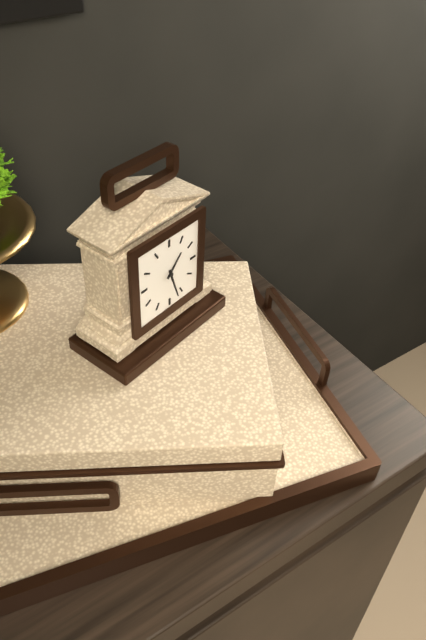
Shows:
1,27
